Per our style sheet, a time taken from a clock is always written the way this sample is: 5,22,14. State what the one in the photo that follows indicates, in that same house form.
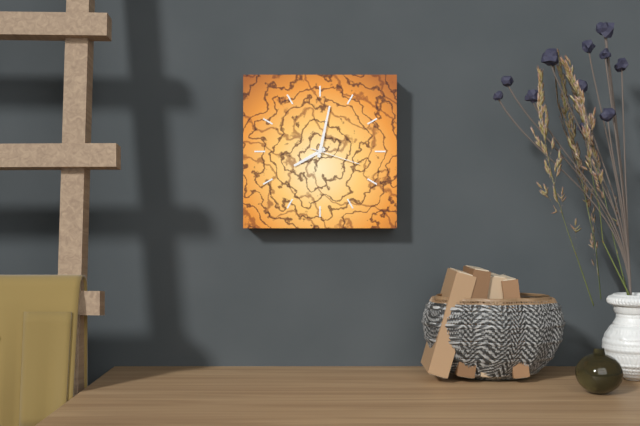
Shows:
8,02,18
